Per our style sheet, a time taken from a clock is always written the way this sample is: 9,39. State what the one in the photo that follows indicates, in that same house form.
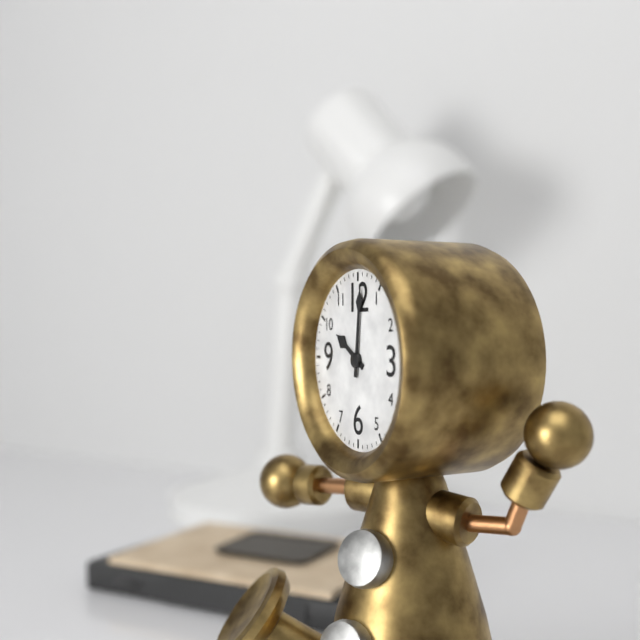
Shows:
10,01
